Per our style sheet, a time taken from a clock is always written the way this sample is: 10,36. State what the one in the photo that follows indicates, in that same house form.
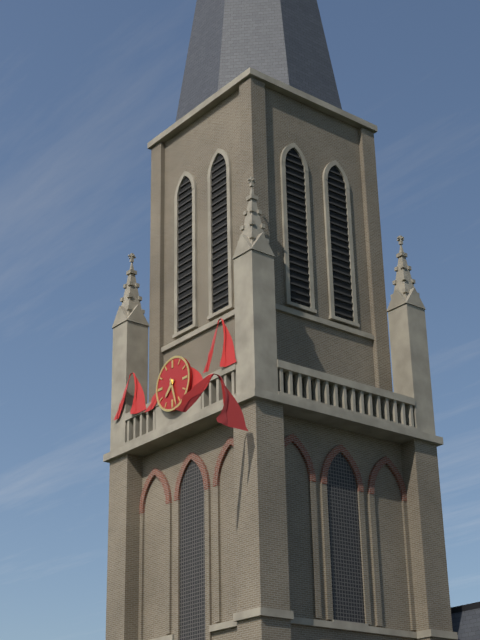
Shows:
7,27
